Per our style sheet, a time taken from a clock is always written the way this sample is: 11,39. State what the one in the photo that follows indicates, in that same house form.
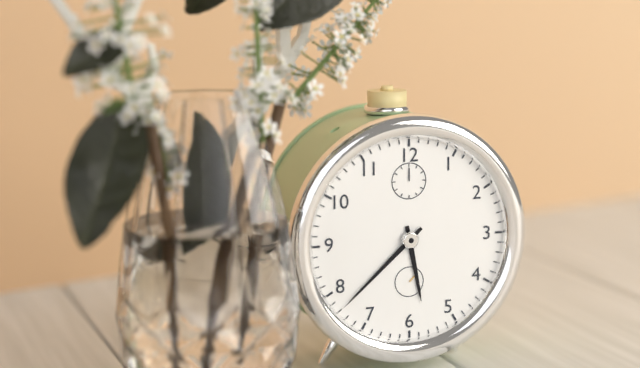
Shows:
5,38
